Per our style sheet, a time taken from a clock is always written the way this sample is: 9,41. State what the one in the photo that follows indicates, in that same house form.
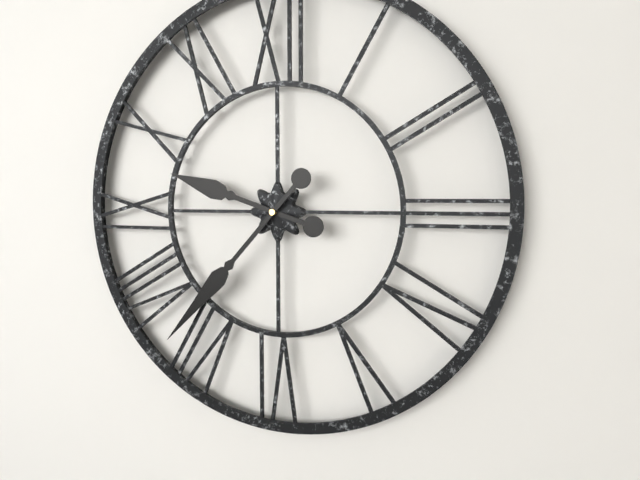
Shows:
9,37
